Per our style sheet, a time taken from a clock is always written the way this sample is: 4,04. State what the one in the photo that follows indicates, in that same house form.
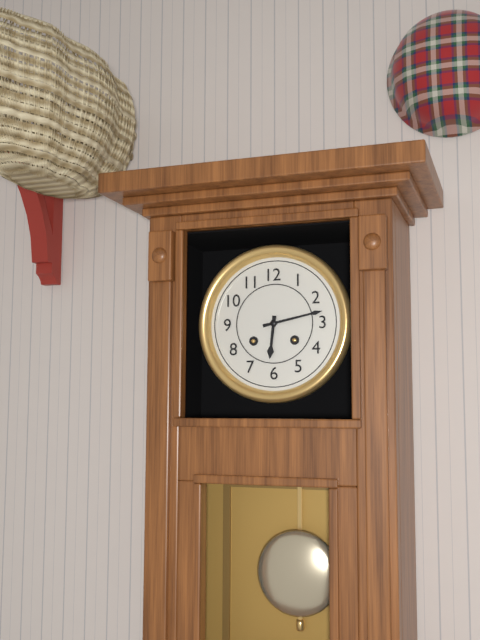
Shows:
6,13
